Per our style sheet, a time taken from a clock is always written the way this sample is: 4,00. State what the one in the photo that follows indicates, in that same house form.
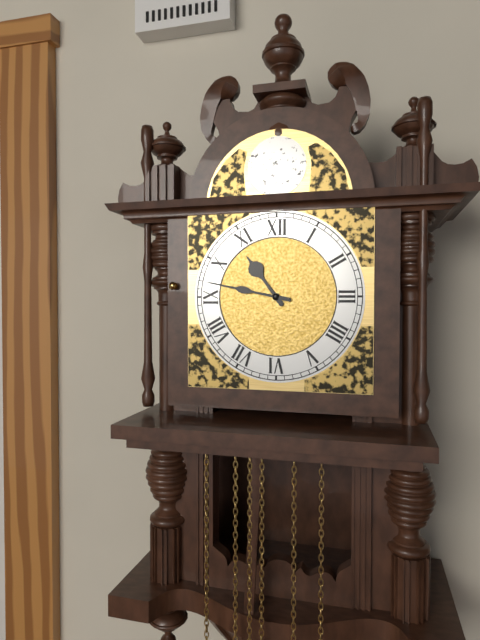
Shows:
10,47
